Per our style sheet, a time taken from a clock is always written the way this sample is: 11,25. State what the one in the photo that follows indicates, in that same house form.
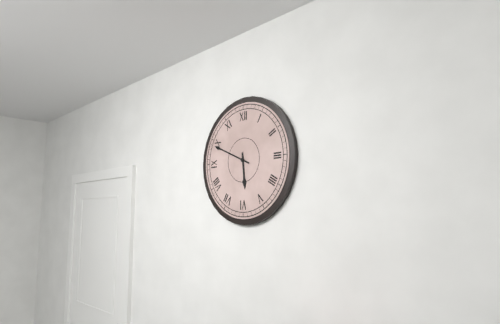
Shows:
5,49
